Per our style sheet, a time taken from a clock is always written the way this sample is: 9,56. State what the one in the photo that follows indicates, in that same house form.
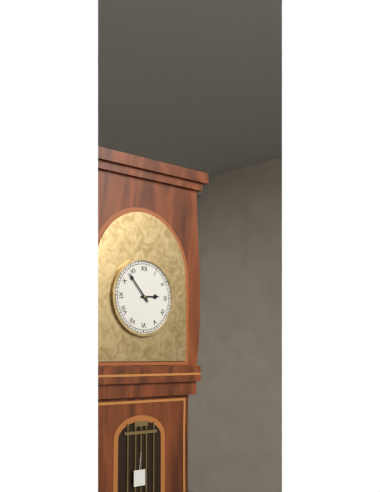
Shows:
2,53
